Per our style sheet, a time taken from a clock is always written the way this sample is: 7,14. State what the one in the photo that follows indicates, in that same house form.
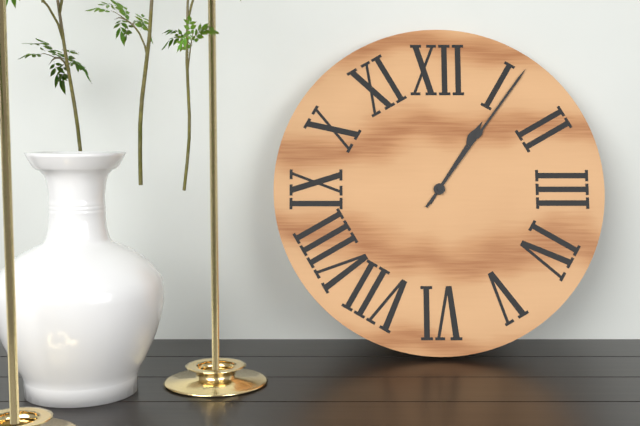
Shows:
1,06
